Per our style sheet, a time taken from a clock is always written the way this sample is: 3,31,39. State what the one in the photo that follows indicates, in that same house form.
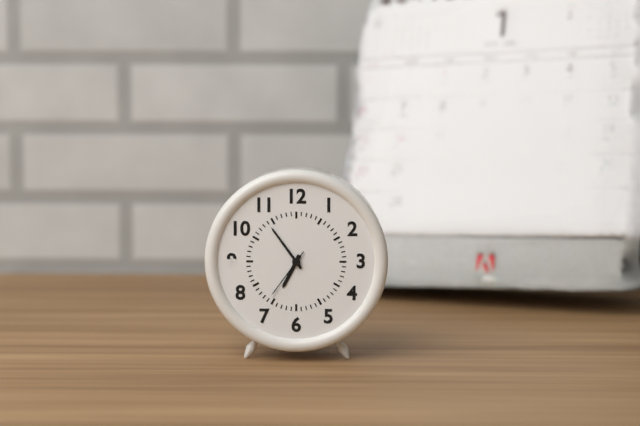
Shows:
6,54,36
